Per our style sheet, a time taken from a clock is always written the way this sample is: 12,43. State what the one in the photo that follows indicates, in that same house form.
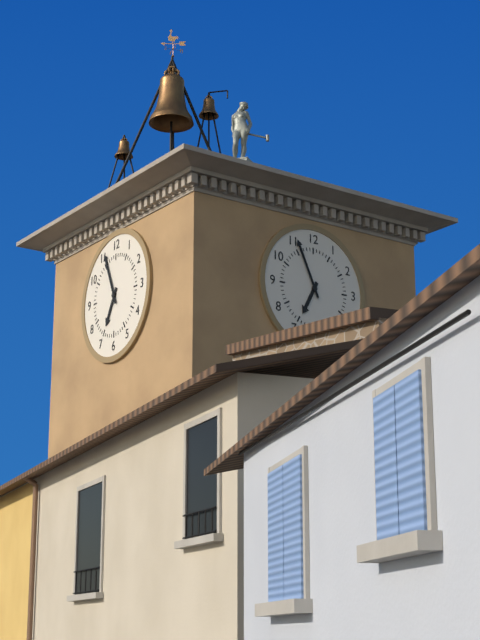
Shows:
6,56
